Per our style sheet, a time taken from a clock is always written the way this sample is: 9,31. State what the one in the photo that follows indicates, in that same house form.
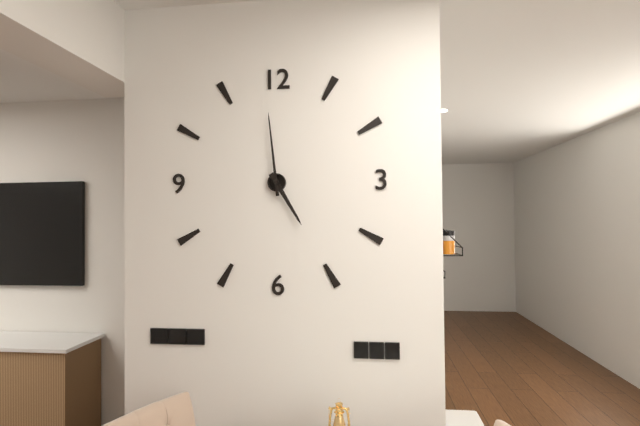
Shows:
4,59
